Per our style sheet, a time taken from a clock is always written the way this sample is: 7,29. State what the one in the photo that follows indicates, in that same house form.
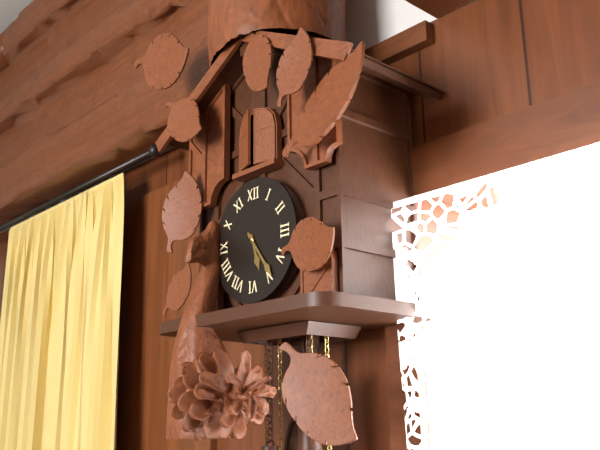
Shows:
5,24
